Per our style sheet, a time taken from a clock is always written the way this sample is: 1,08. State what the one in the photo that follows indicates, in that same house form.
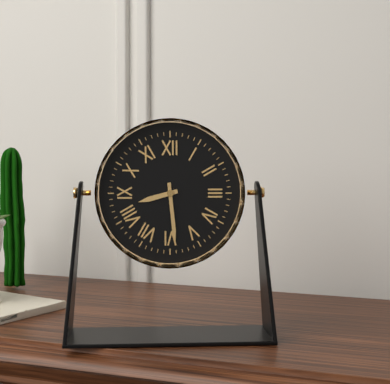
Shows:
8,29
